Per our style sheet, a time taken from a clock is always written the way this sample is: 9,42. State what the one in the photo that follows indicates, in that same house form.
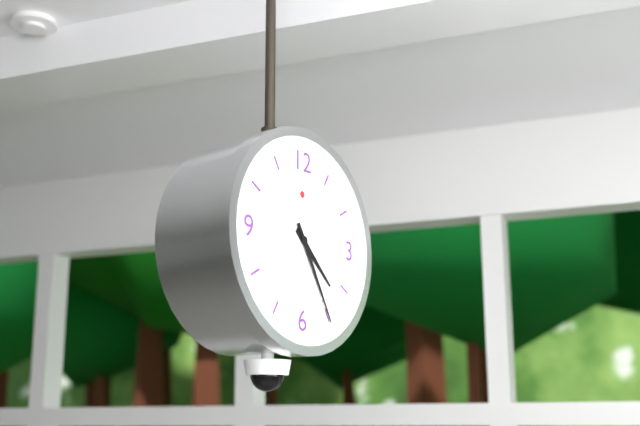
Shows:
4,25
